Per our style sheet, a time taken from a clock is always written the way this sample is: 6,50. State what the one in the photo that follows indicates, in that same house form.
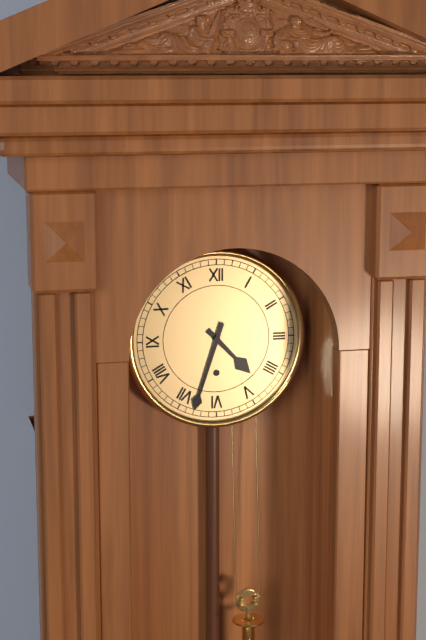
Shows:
4,33
